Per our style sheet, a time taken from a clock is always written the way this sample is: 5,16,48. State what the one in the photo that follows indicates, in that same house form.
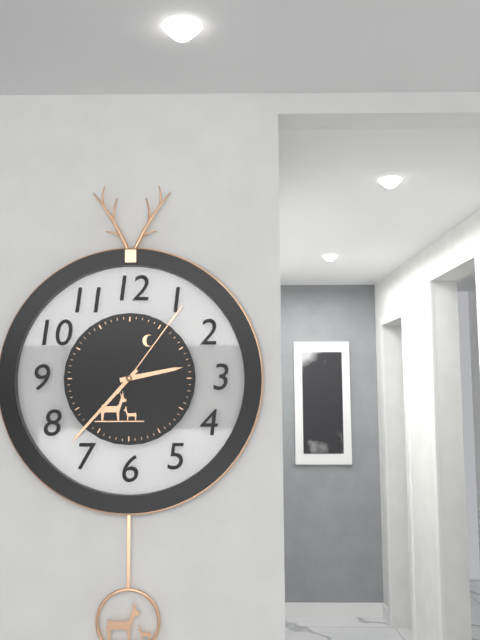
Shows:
2,37,06
